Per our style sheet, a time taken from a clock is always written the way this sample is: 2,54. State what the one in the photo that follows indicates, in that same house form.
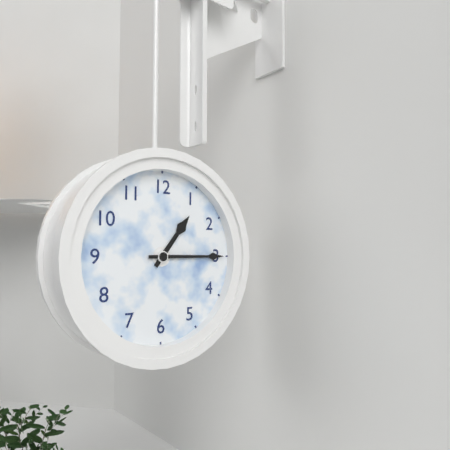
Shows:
1,15
